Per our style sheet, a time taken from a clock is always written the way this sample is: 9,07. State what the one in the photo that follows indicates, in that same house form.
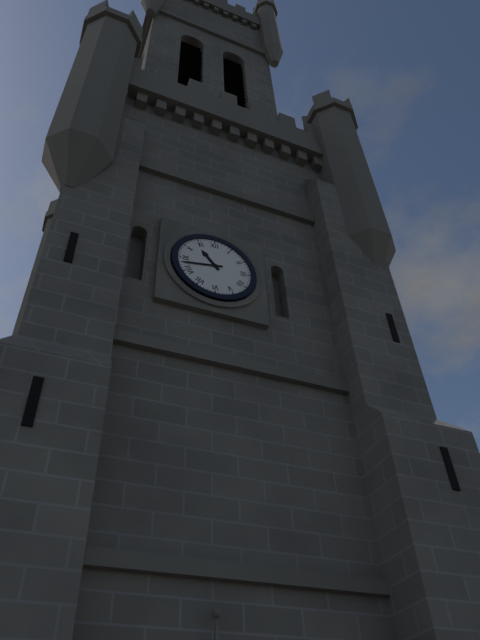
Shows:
10,43
